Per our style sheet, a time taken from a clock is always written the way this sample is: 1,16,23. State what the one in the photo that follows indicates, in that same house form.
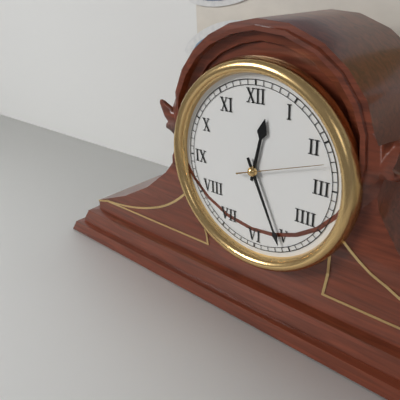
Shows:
12,26,12
